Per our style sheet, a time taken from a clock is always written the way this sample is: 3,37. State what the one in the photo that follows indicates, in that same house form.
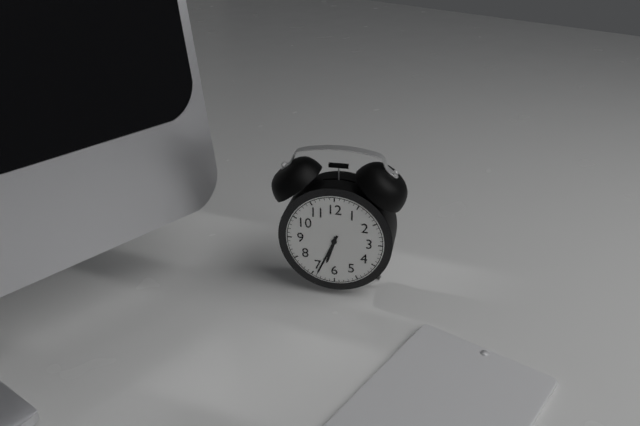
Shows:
6,34
